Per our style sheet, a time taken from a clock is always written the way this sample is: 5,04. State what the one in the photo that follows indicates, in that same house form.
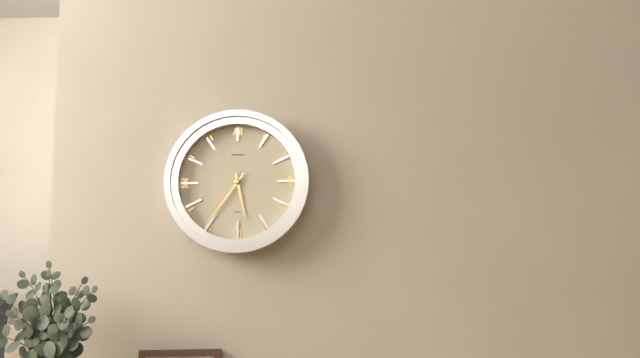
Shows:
5,36
